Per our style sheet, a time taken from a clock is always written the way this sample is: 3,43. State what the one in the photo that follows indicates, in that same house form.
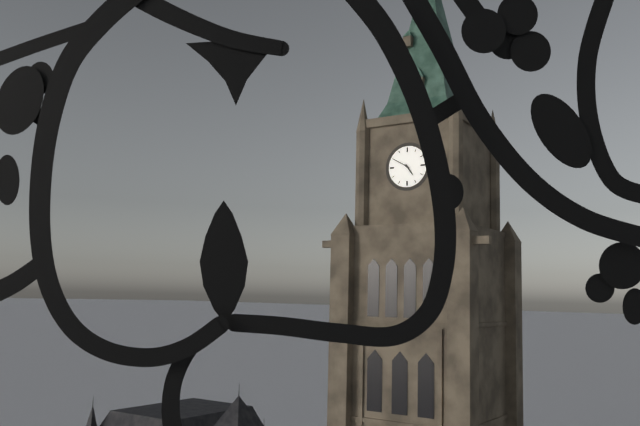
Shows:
4,50
